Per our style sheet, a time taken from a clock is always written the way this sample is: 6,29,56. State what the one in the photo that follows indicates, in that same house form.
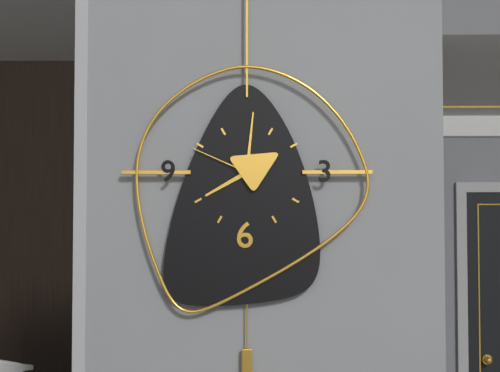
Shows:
8,01,49
